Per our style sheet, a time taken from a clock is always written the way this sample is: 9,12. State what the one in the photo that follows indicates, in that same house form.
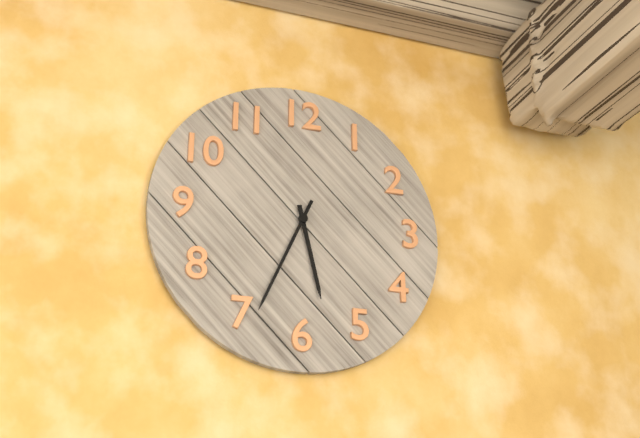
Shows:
5,34
